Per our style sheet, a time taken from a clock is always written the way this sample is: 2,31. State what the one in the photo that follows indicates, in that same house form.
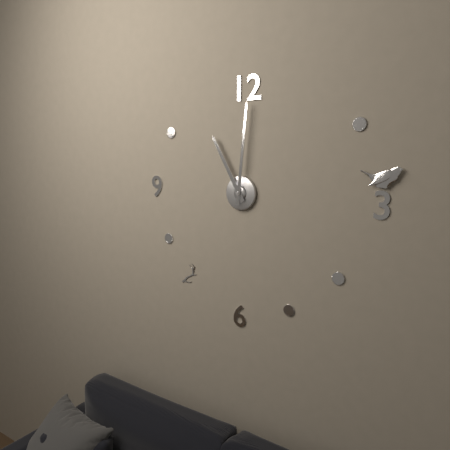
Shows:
11,01
